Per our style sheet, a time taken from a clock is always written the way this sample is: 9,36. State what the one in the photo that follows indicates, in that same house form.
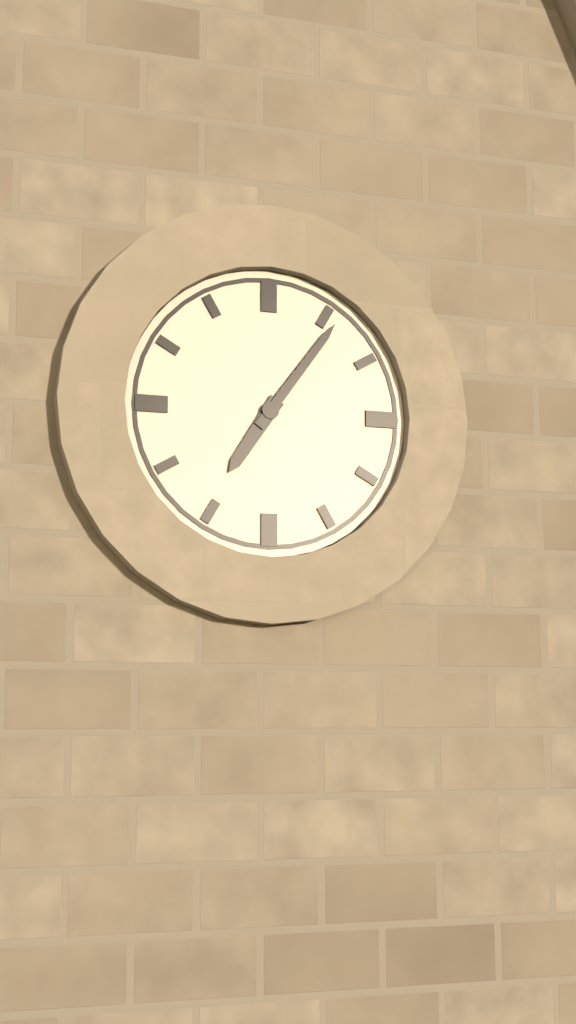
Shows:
7,06
